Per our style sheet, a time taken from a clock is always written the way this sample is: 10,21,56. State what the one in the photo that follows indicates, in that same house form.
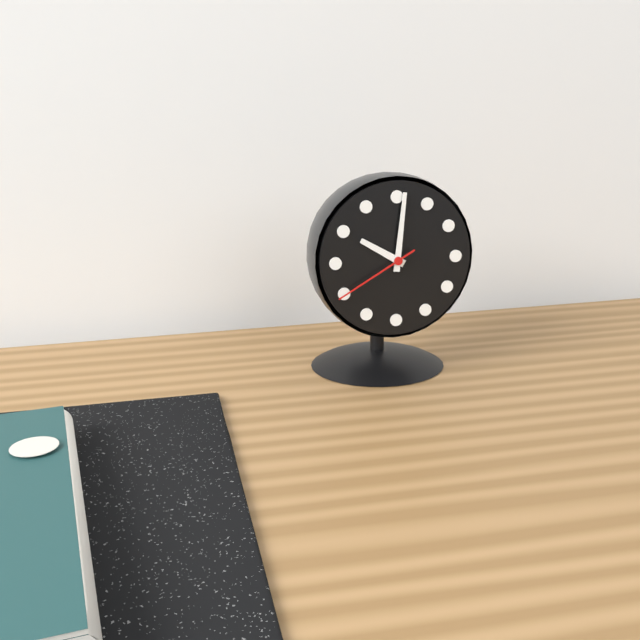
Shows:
10,01,40
